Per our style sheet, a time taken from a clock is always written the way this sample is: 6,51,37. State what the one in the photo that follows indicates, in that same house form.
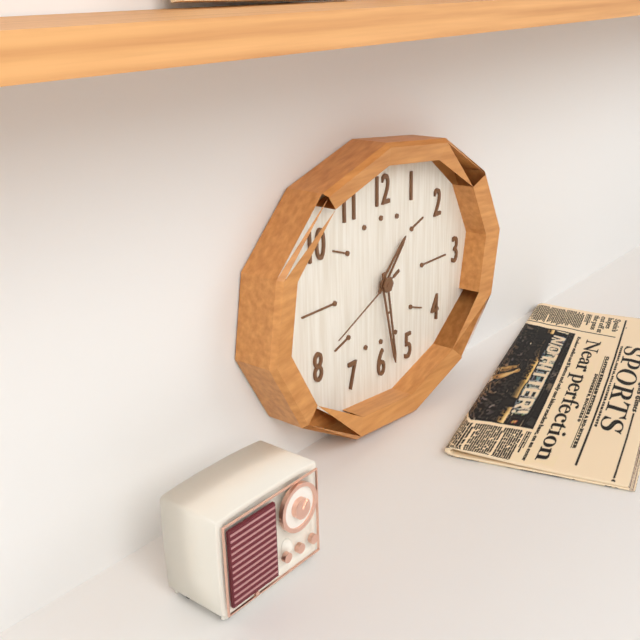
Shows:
1,28,41
